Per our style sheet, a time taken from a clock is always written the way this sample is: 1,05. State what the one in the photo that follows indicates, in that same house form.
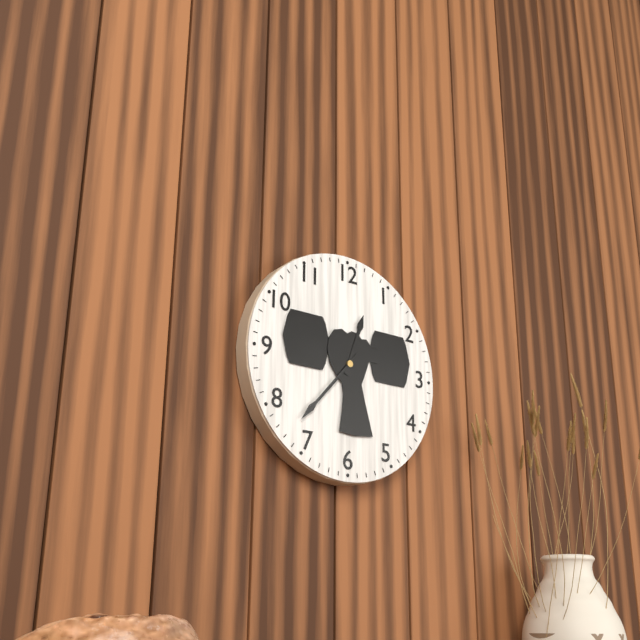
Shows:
12,37
